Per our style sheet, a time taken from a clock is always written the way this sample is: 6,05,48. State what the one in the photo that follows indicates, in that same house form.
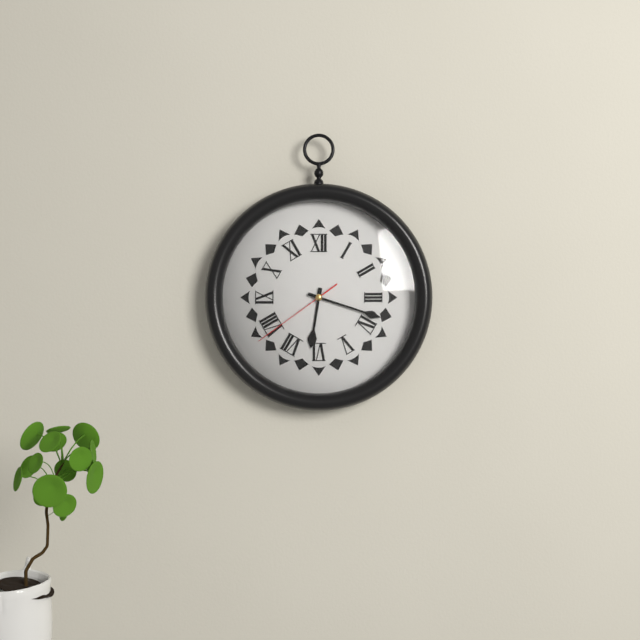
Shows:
6,18,39
